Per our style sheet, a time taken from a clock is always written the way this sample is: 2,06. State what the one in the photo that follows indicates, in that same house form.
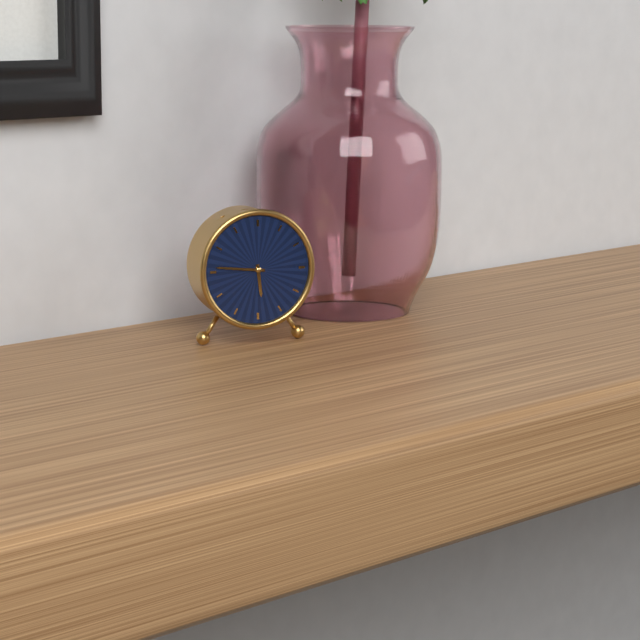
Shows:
5,46
